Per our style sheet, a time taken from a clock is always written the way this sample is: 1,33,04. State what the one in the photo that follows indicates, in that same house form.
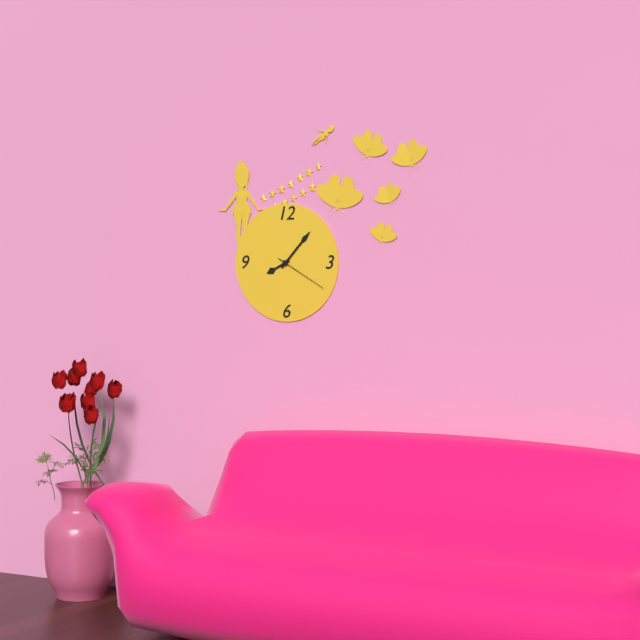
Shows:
8,07,20
